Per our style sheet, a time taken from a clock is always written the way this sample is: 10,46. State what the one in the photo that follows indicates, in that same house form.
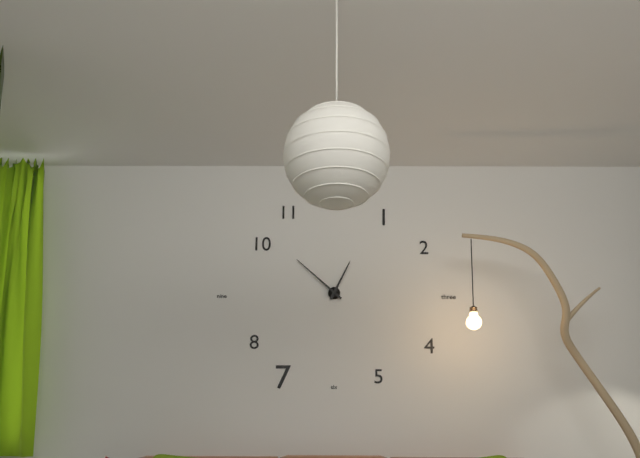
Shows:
12,52
